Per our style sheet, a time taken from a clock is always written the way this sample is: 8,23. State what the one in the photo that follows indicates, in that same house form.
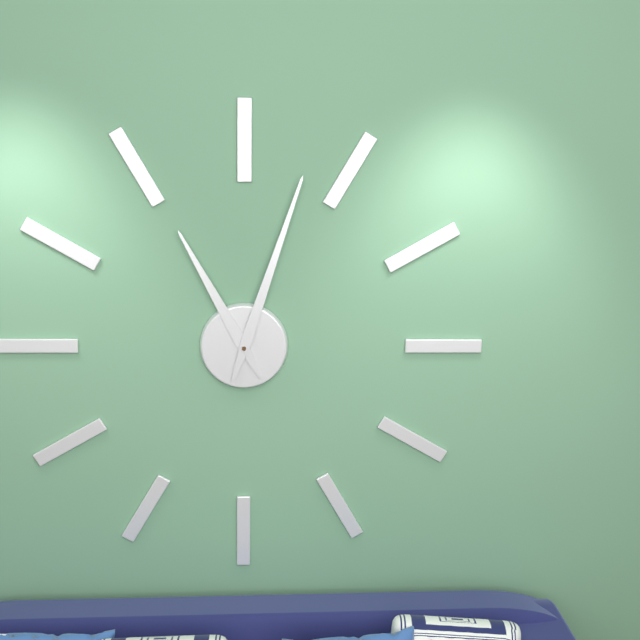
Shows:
11,03
